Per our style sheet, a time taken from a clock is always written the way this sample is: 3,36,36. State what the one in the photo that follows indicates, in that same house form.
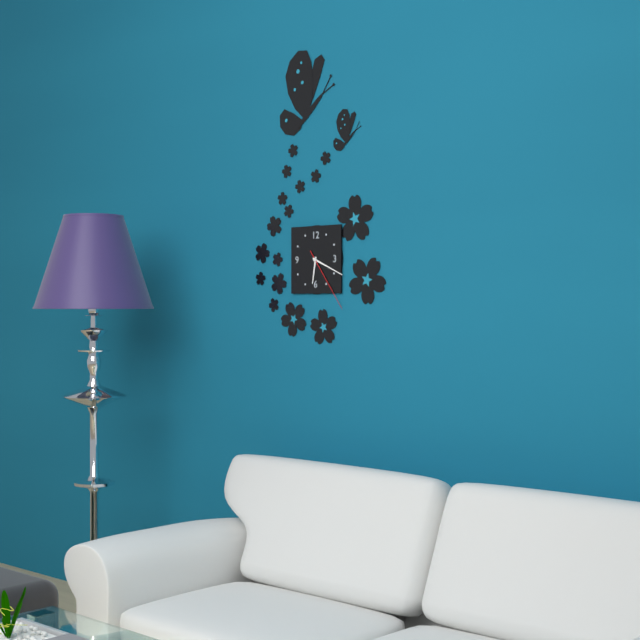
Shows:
6,19,24
